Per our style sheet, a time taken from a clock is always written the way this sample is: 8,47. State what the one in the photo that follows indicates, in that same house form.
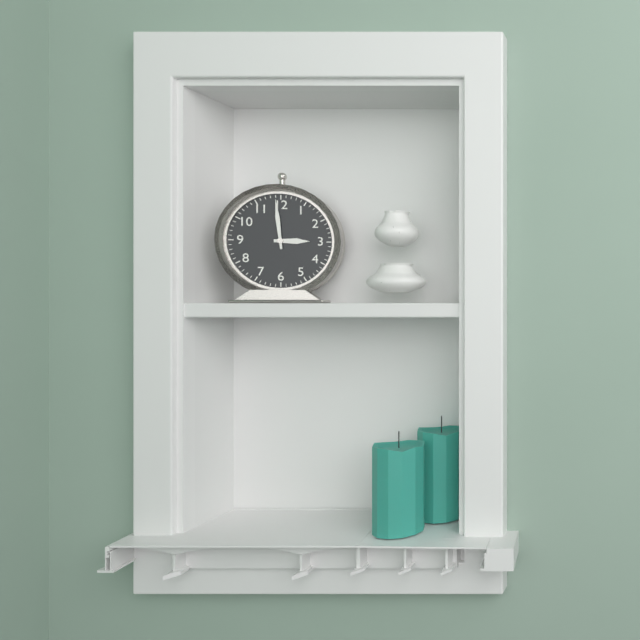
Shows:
2,59
